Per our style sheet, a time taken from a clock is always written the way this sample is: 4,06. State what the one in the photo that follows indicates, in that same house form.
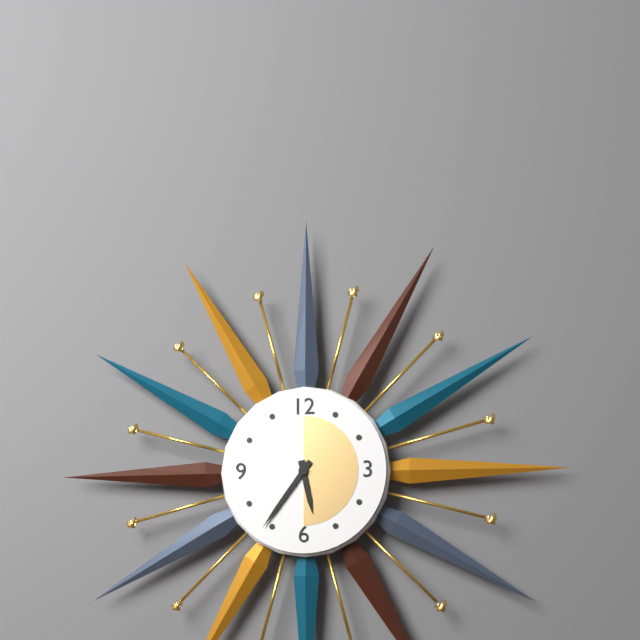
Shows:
5,36
